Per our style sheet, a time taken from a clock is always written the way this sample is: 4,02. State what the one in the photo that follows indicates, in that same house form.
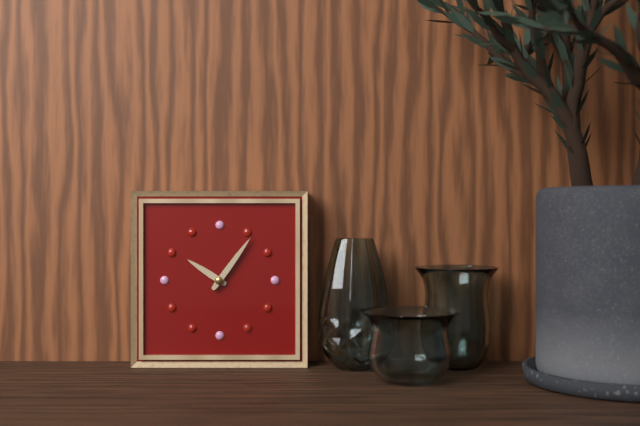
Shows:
10,06
